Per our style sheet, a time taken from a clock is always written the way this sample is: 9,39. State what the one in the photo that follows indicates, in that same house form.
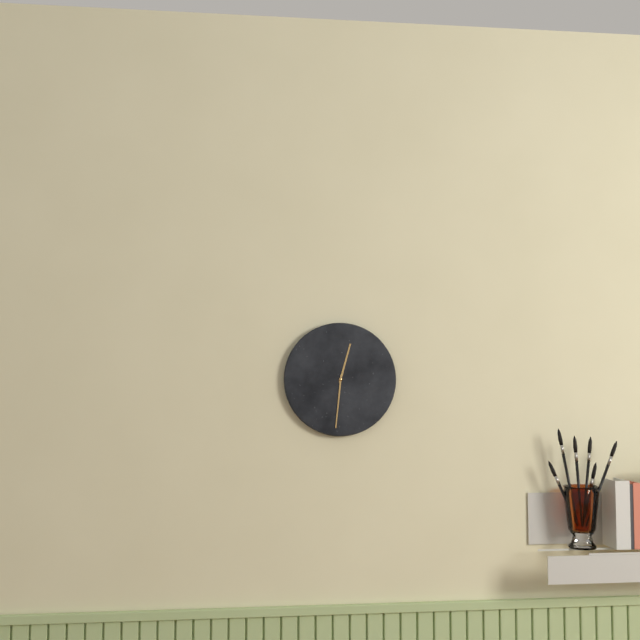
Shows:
12,31
